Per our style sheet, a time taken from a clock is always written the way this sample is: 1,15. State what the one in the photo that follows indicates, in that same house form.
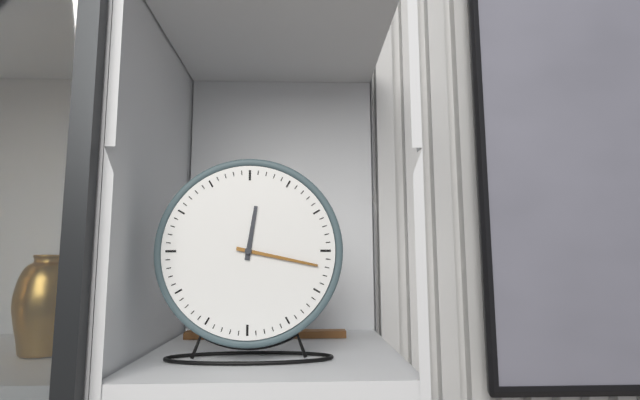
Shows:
12,17
